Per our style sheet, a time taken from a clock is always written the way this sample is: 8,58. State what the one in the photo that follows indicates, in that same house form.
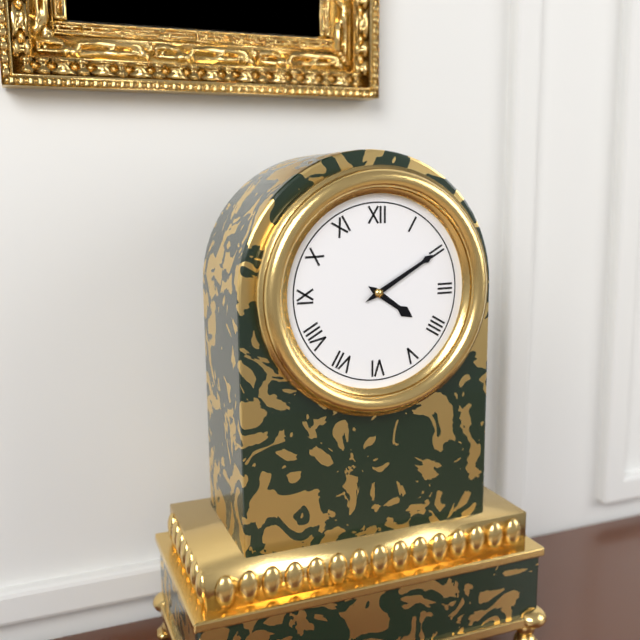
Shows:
4,10
